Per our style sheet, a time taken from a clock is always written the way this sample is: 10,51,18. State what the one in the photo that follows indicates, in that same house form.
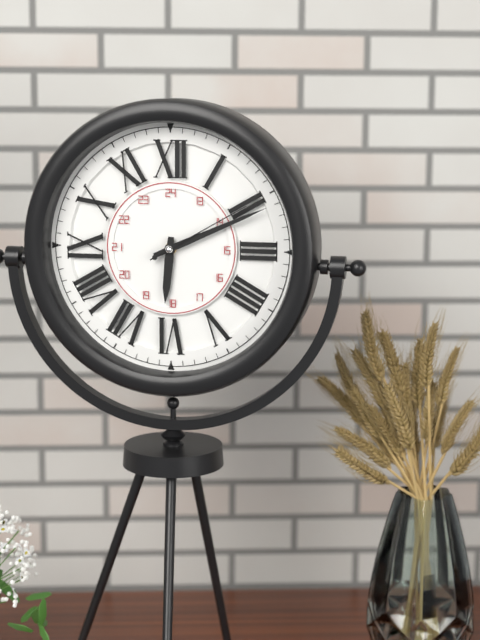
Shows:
6,11,10
